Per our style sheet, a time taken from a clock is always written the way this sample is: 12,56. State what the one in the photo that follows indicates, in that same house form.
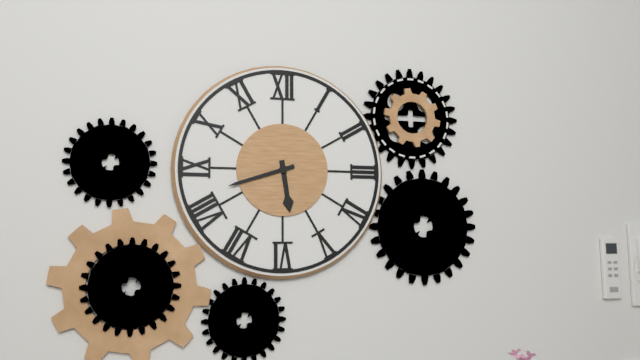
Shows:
5,42
